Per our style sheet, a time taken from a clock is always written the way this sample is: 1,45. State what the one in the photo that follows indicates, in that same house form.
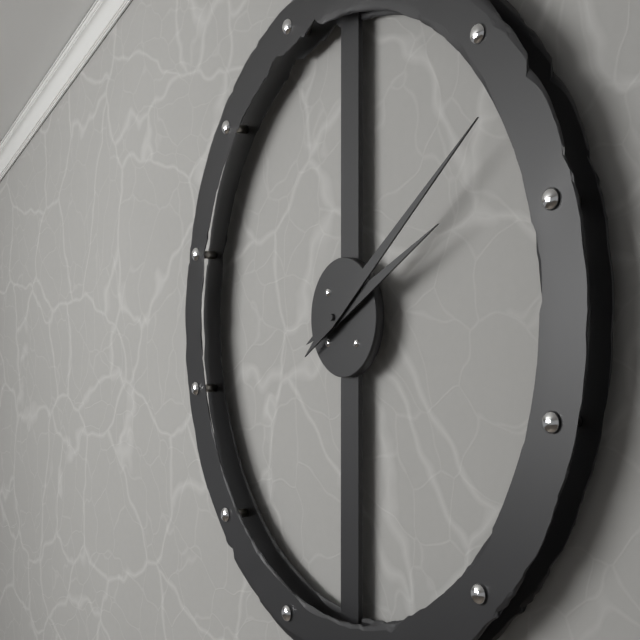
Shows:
2,09
